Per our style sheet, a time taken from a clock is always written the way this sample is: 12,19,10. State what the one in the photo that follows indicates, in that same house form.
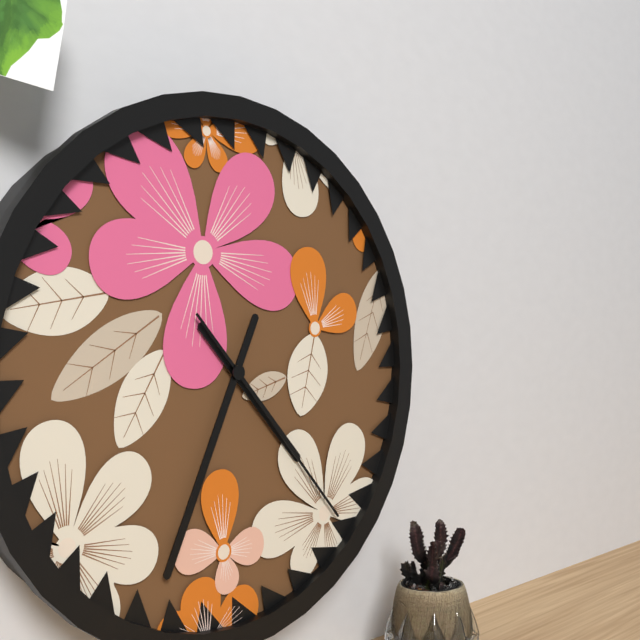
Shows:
4,34,23
